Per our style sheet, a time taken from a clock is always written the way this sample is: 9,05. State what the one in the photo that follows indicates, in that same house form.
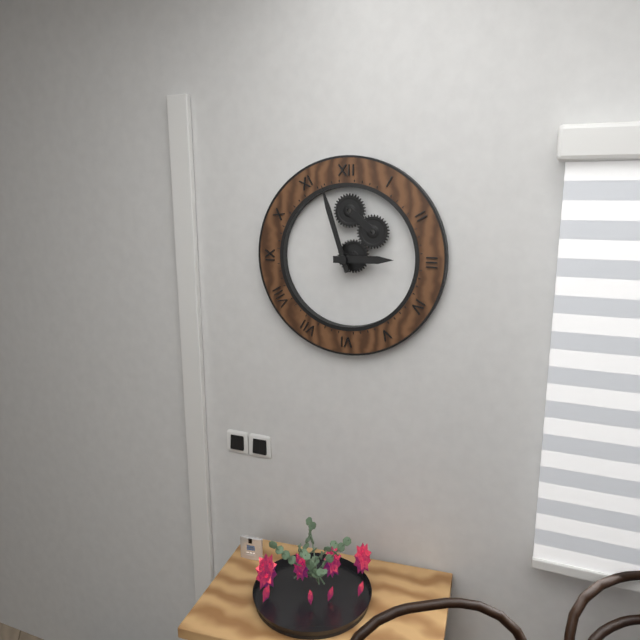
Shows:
2,57
